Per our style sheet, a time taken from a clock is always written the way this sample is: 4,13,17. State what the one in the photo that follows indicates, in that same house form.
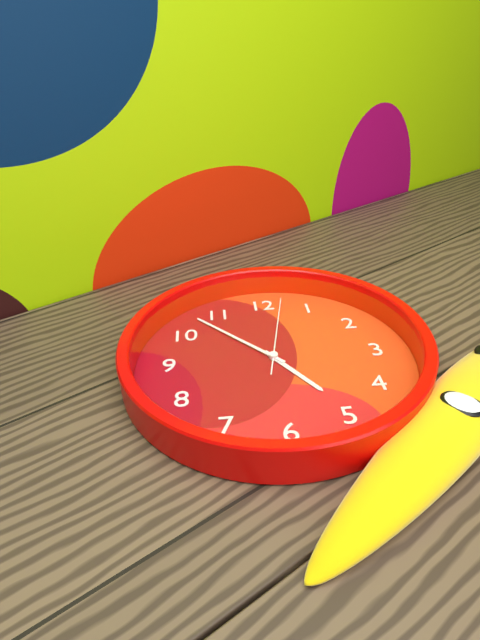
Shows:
4,53,02
